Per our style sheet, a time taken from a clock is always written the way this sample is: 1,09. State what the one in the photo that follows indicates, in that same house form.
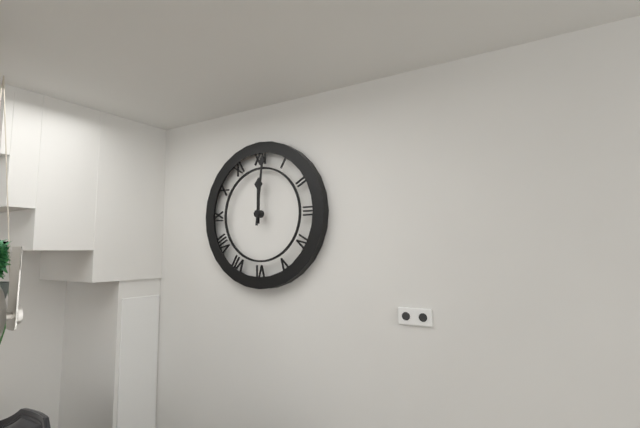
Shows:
12,01
